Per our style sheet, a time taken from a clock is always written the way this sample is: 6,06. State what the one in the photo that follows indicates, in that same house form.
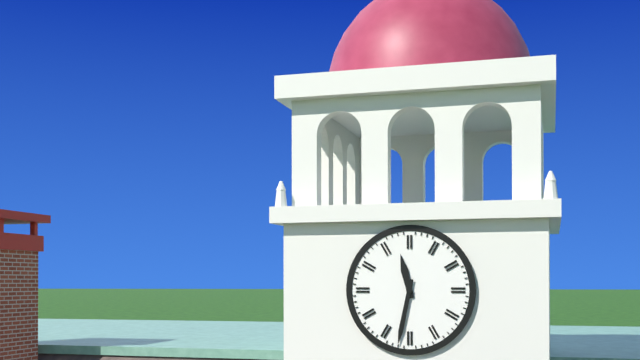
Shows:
11,32
